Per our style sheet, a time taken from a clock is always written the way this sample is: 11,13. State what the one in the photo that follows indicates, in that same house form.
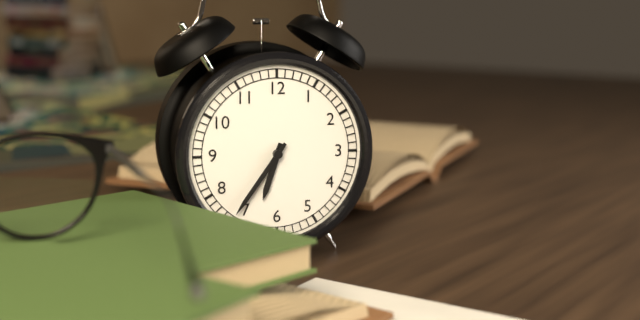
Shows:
6,36
